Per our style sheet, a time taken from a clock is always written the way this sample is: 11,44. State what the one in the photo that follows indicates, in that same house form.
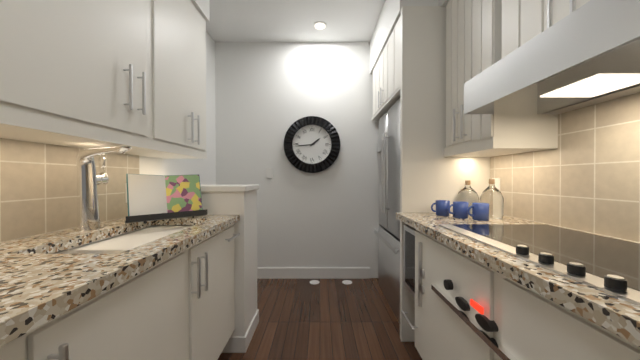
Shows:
1,44
